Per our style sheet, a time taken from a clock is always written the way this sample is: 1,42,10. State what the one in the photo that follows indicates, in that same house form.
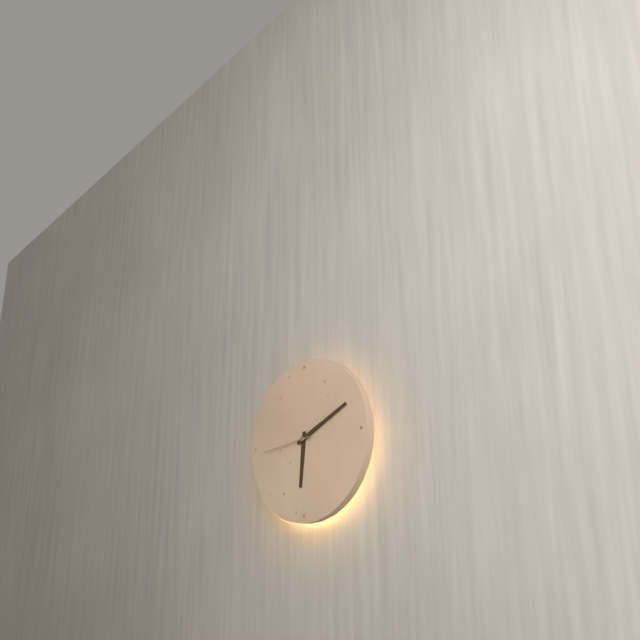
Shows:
6,11,44
